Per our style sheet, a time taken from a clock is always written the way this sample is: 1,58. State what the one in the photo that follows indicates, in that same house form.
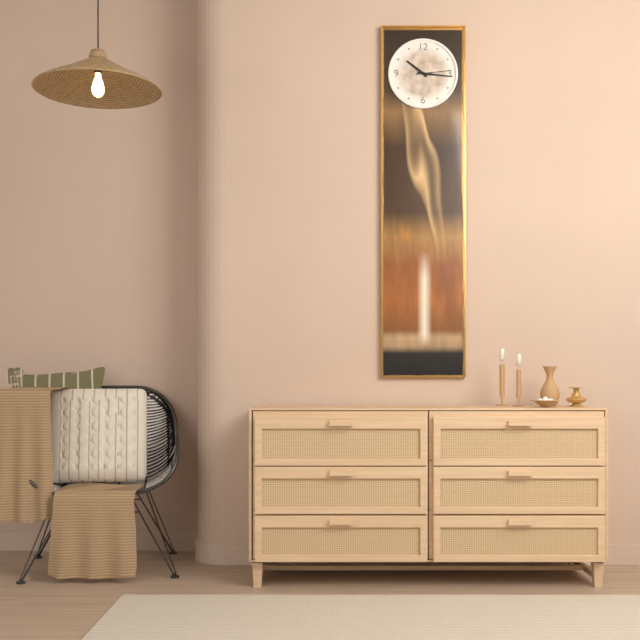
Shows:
10,16
